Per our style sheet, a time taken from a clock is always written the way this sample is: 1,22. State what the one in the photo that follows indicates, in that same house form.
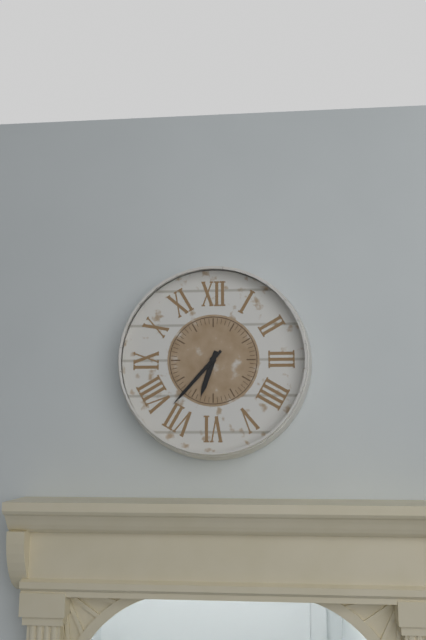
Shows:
6,37
